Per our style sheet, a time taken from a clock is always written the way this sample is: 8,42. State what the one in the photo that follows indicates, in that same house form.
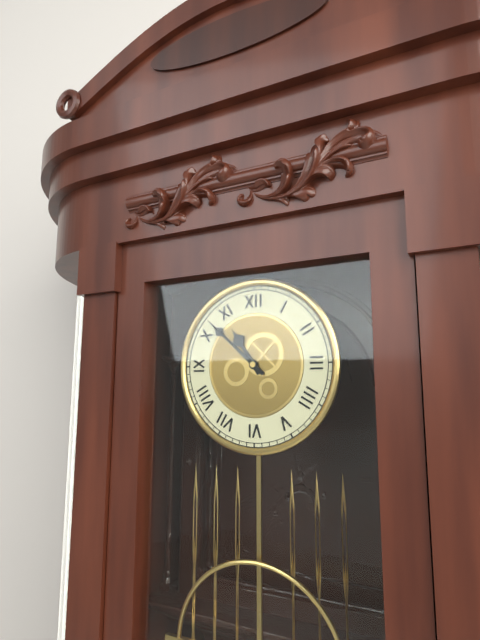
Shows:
10,52
